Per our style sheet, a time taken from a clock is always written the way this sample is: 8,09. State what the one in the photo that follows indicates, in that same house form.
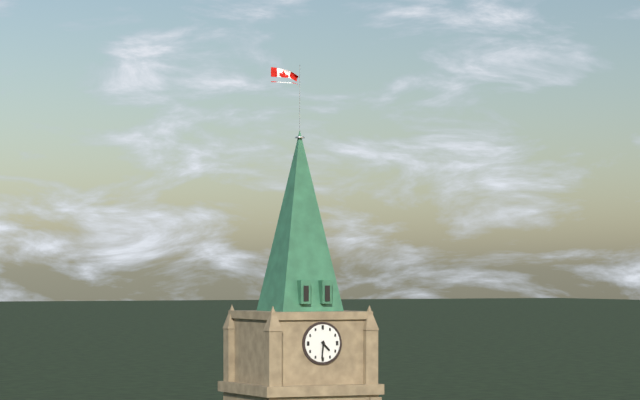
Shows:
4,31
